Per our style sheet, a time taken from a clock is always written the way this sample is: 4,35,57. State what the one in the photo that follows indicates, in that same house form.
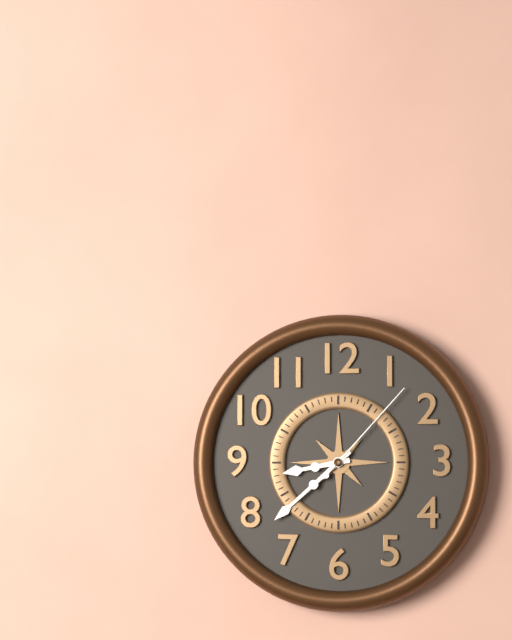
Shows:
8,38,07
